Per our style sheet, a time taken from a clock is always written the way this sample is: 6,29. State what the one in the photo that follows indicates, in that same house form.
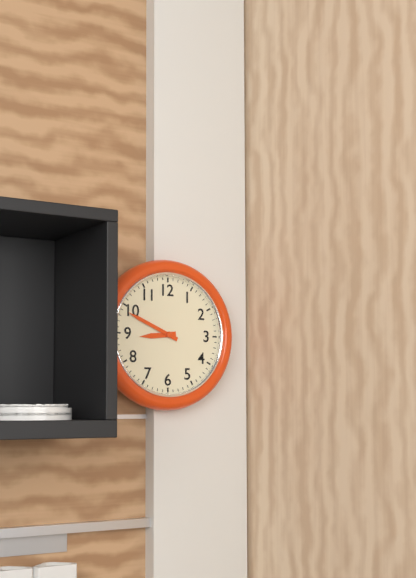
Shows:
8,49
